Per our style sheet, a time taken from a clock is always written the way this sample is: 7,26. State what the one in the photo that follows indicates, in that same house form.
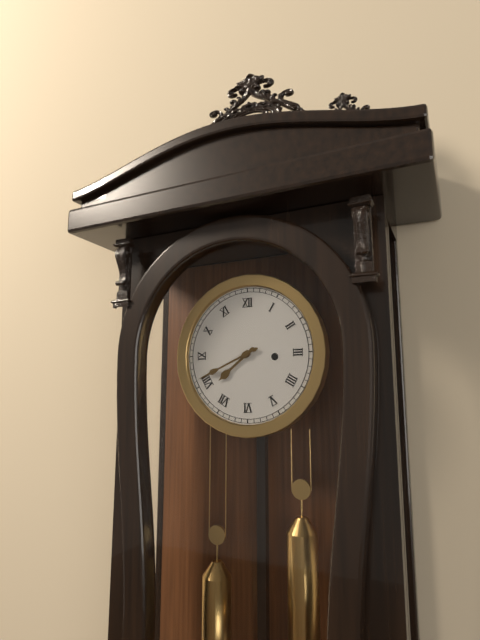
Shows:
7,41
